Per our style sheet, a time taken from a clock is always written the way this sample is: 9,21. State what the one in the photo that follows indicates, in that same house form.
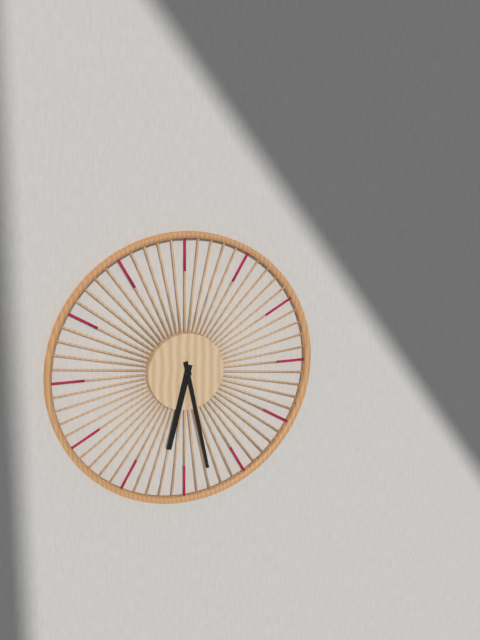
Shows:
6,28
